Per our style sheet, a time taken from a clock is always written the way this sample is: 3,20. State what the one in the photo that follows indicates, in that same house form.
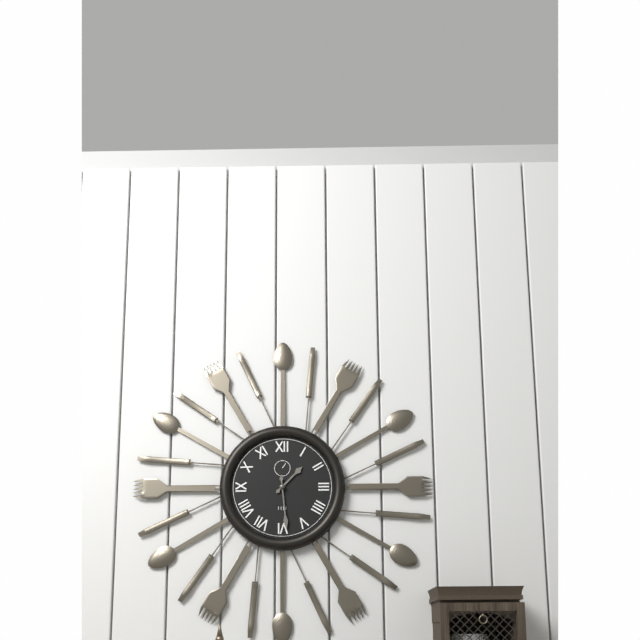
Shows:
1,29
